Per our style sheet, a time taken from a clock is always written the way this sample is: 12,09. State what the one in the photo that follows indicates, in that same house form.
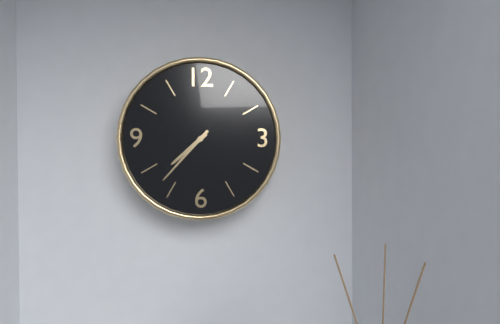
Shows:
7,37
